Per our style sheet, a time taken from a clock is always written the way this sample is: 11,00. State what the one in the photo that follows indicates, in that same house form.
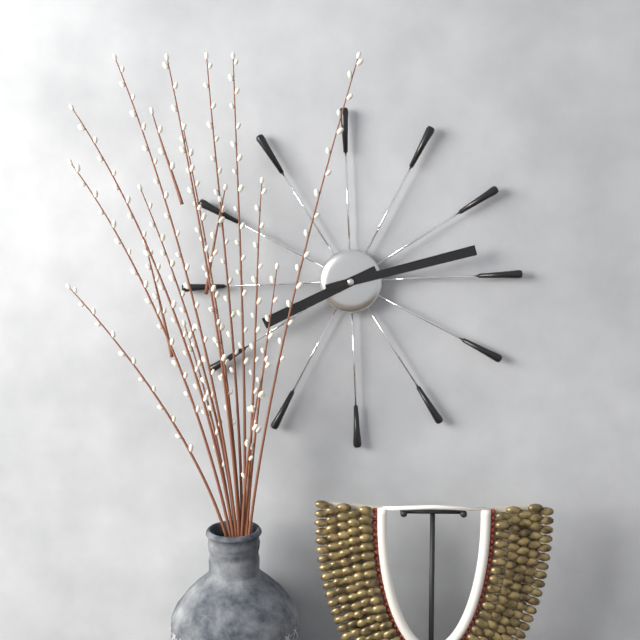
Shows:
8,13
